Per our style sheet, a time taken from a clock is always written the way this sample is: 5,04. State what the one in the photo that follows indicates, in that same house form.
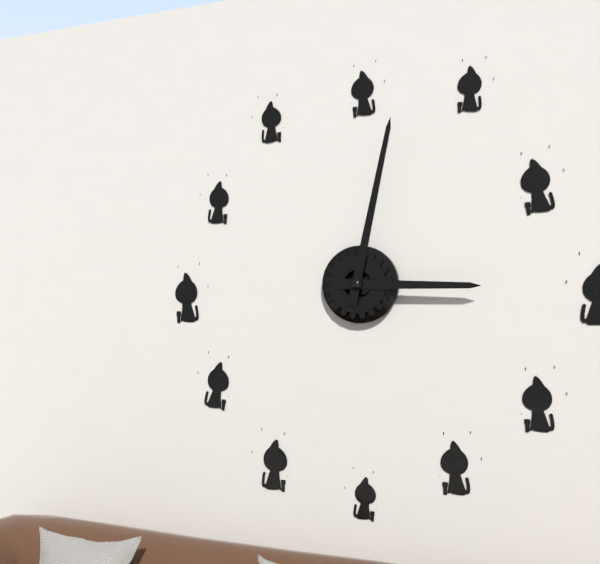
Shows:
3,02
